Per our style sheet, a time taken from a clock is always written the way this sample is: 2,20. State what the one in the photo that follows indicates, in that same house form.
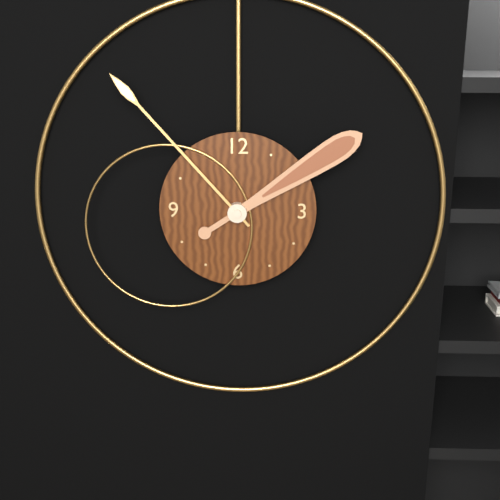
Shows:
1,53
